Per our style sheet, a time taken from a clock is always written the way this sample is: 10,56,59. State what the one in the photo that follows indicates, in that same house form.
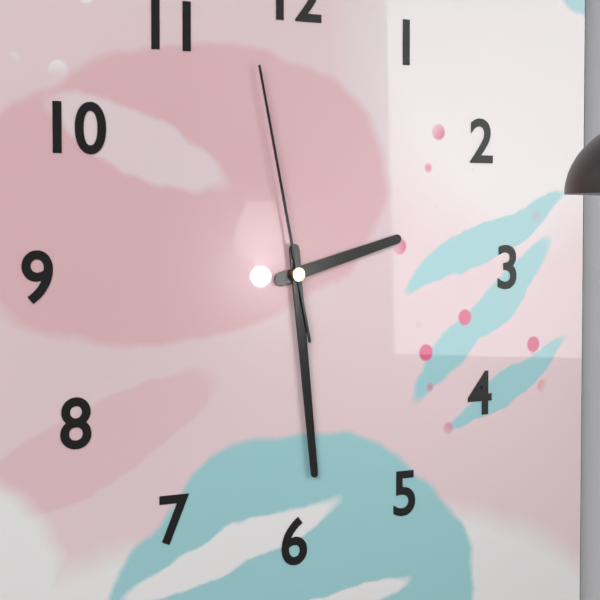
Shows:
2,29,58
